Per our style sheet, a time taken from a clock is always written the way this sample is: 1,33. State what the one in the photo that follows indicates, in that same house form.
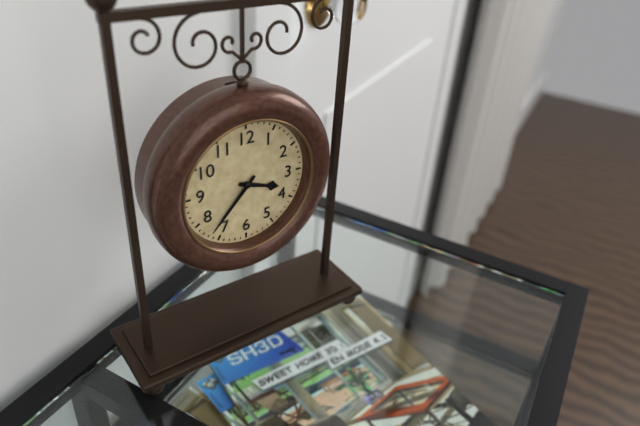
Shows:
3,37
